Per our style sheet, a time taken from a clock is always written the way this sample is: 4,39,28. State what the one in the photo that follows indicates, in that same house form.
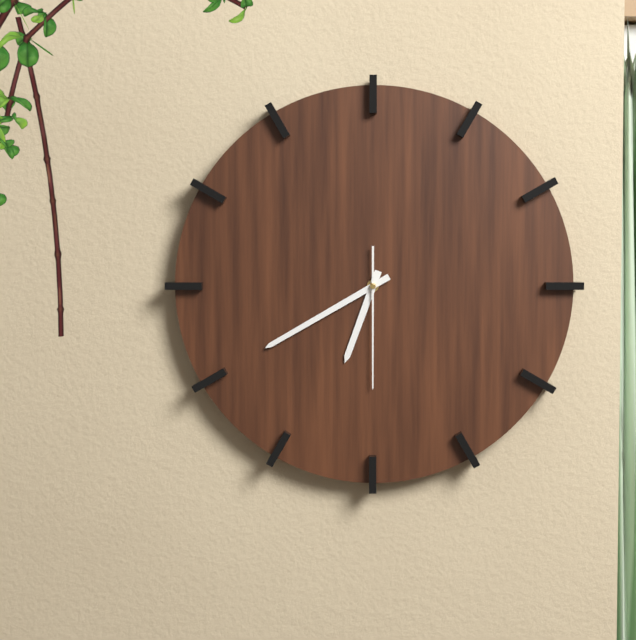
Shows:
6,40,30
